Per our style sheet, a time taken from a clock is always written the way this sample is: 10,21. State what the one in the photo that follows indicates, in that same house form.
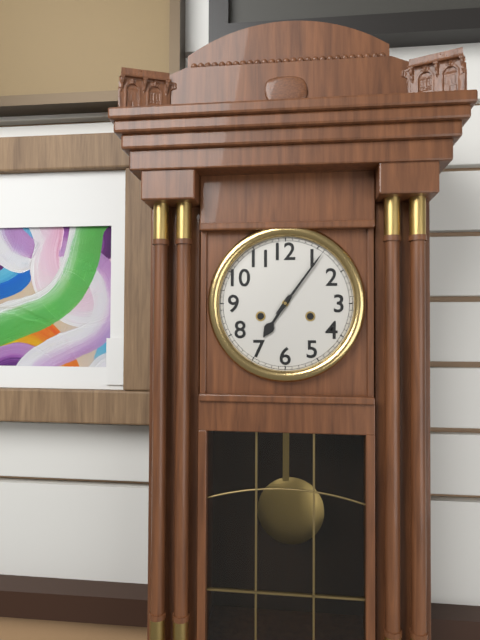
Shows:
7,06
